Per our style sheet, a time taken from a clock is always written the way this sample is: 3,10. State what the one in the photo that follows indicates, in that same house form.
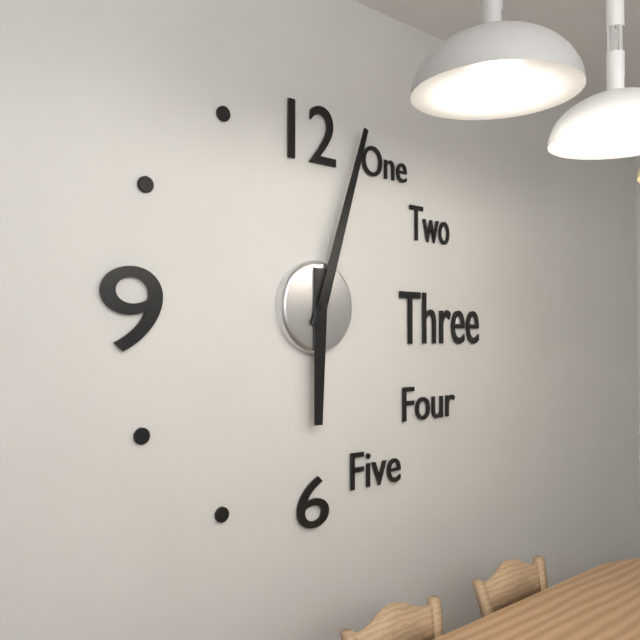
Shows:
6,03
